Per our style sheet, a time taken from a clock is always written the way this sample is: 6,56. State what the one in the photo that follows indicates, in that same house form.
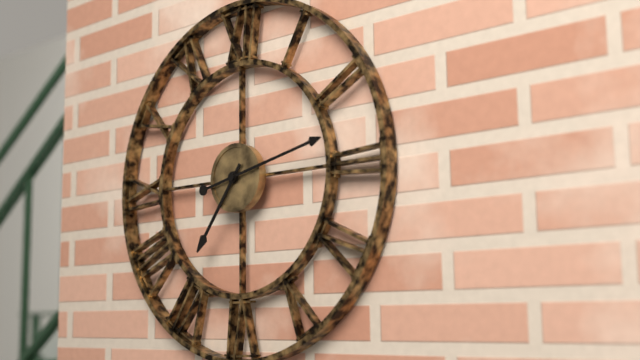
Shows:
7,13
